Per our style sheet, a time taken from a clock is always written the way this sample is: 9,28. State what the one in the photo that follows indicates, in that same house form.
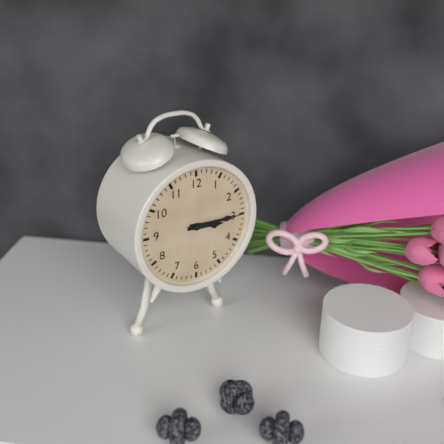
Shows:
3,15
